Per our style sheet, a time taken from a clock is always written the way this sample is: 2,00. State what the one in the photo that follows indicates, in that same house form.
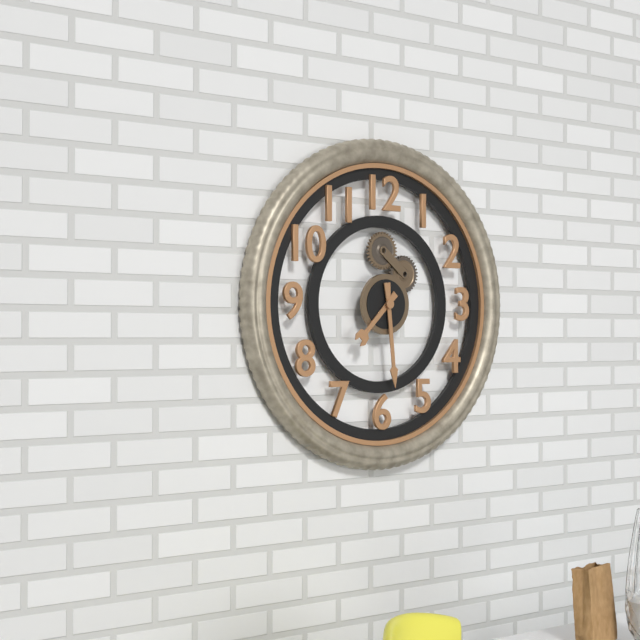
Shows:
7,29
